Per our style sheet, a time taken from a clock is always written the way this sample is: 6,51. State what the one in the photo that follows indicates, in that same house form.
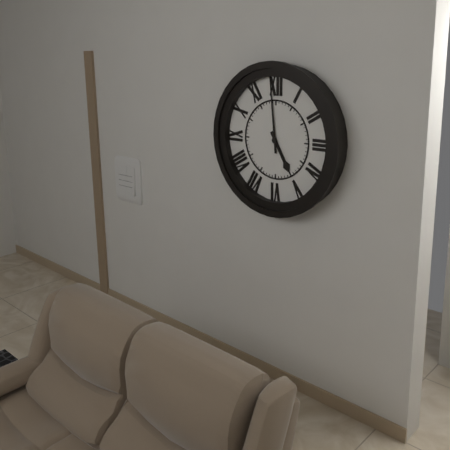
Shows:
4,59
